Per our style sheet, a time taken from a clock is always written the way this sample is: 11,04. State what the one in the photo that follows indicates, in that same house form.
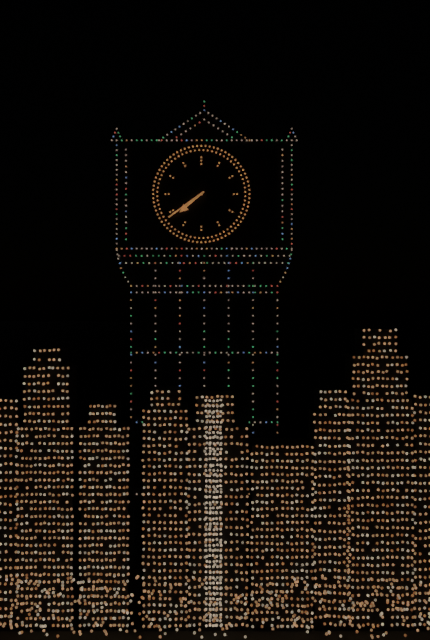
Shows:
7,39
